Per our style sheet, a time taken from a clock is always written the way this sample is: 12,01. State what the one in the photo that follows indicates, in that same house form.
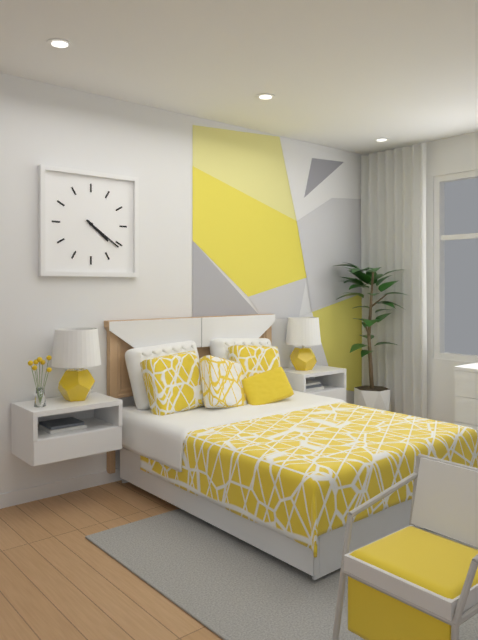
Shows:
4,21
